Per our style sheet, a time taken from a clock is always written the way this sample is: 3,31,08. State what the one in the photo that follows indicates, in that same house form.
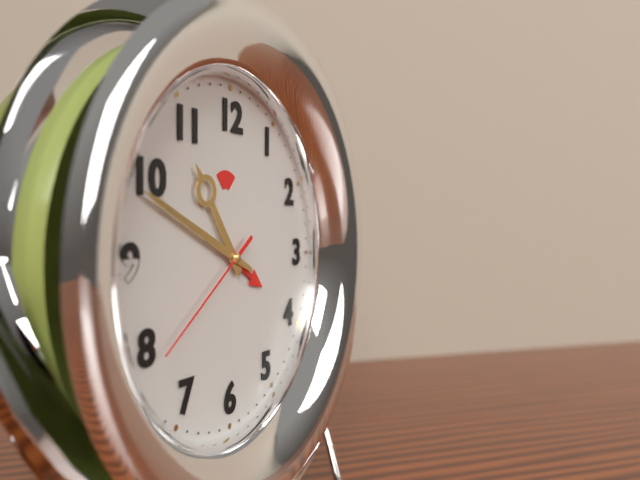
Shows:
10,49,39
